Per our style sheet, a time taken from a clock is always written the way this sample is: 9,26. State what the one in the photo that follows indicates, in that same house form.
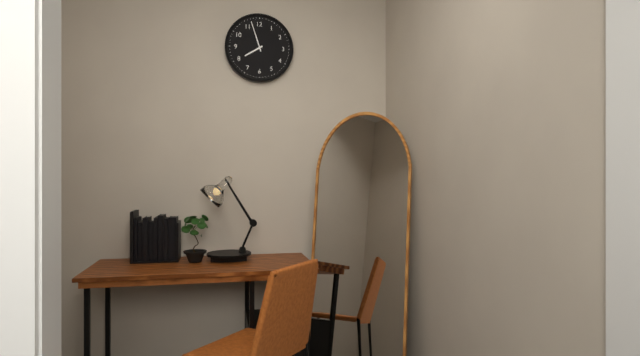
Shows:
7,57
